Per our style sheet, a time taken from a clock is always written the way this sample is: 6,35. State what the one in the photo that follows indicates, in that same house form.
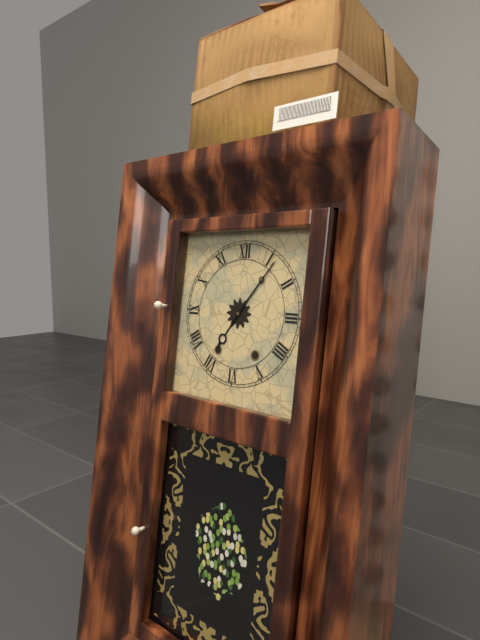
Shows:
7,06
